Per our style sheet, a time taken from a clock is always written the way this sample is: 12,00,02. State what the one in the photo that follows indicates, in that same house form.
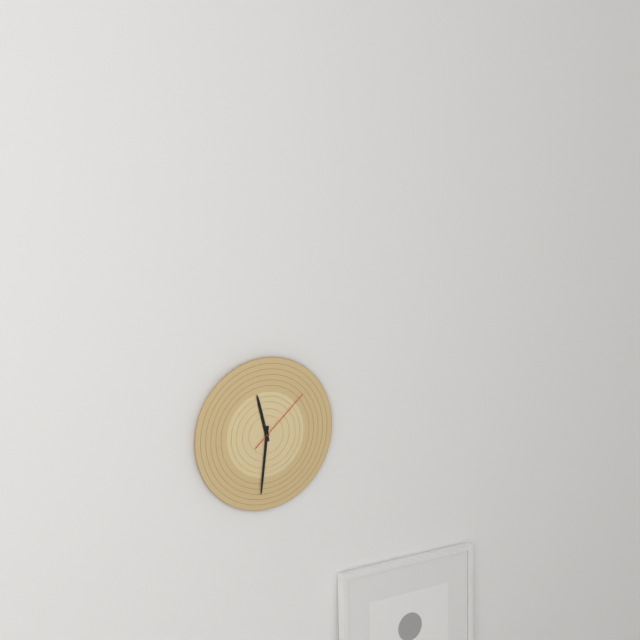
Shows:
11,31,08
